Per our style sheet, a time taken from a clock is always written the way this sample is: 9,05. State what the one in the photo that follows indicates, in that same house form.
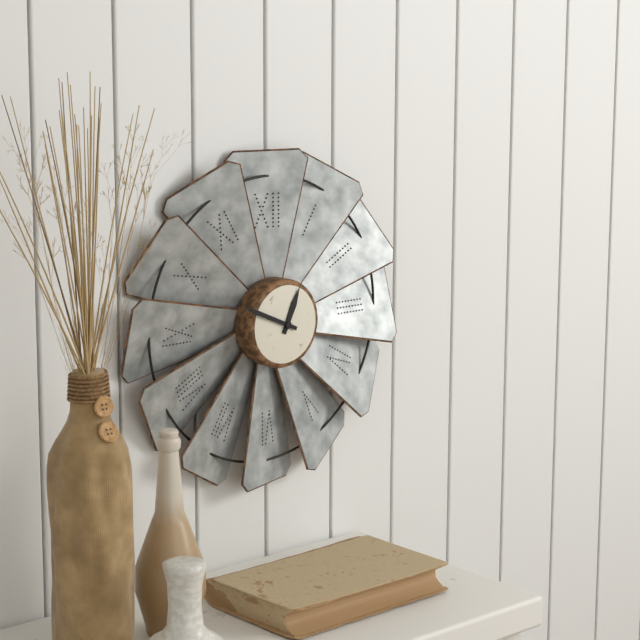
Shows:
12,49
